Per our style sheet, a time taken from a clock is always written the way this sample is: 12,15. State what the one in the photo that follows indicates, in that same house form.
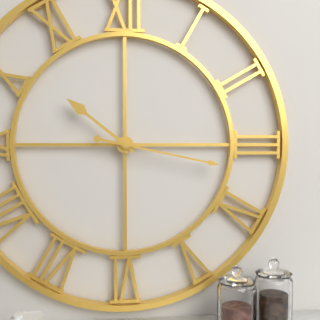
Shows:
10,17
